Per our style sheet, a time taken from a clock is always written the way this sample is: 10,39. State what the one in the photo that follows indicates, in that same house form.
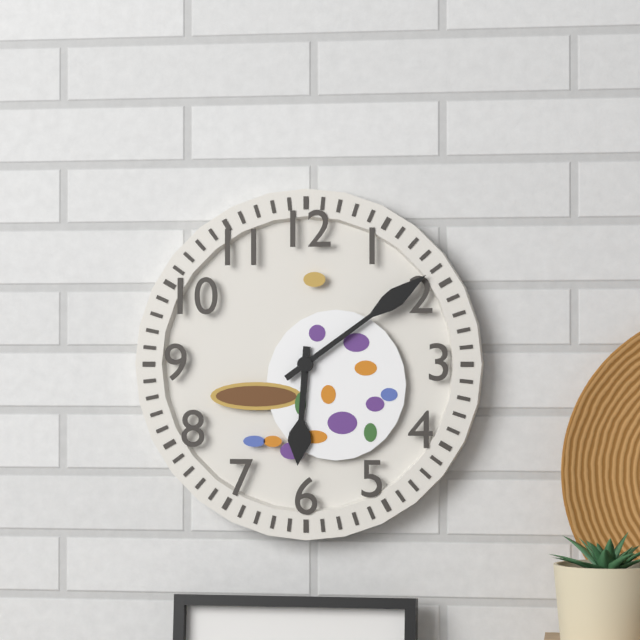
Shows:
6,09
